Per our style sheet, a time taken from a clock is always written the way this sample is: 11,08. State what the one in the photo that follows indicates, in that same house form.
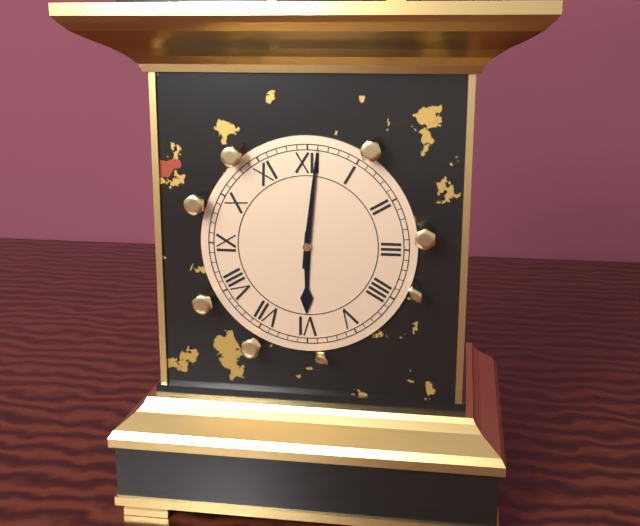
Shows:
6,01
